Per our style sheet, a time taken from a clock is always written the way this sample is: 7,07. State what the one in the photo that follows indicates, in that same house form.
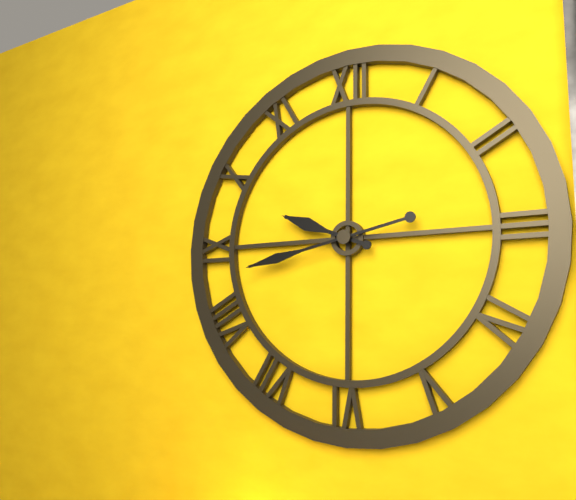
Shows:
9,43
